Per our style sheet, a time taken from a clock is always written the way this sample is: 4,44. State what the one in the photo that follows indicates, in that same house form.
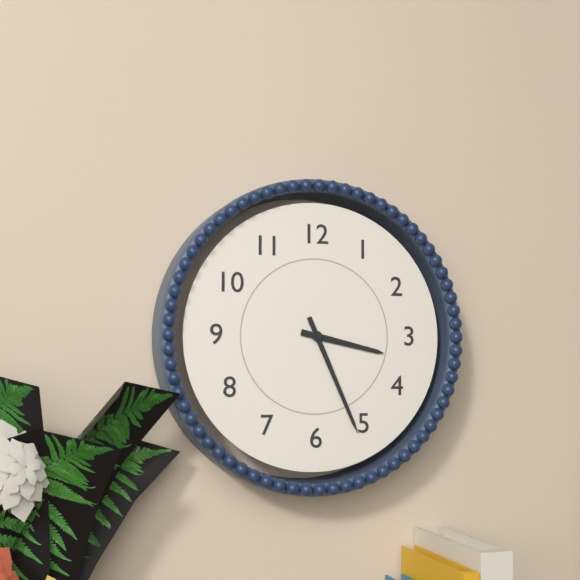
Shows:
3,26
